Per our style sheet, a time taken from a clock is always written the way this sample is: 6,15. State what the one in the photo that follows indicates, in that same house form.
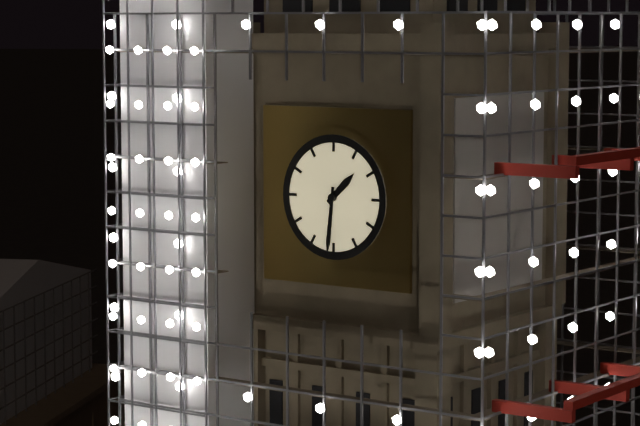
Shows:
1,31
